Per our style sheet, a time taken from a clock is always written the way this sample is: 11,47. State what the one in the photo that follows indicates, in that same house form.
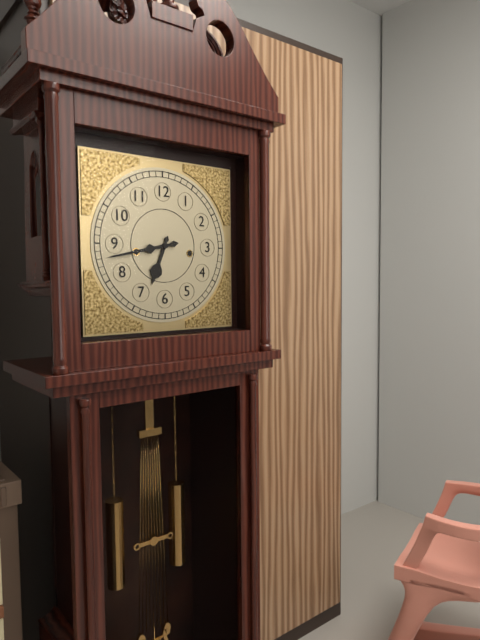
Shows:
6,43
